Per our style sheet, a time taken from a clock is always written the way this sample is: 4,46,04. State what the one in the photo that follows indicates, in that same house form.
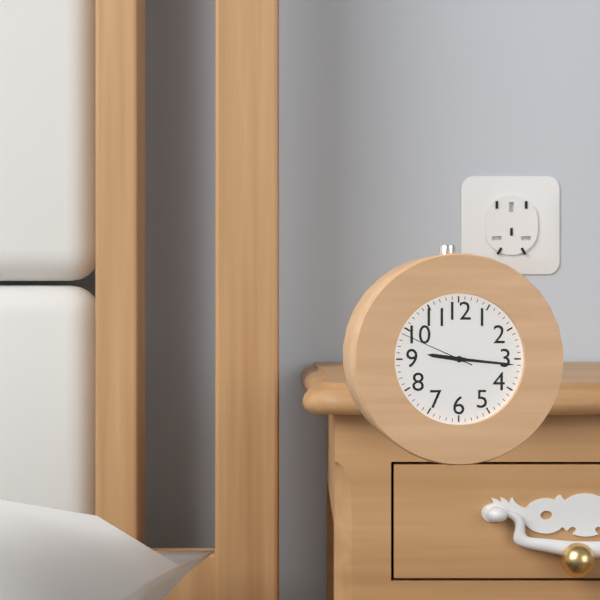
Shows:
9,16,49
